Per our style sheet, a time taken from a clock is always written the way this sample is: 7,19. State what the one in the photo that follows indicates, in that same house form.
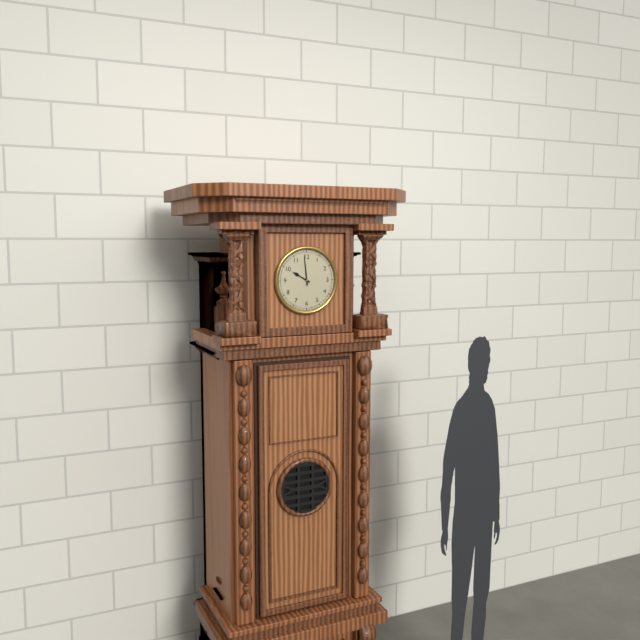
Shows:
9,59
